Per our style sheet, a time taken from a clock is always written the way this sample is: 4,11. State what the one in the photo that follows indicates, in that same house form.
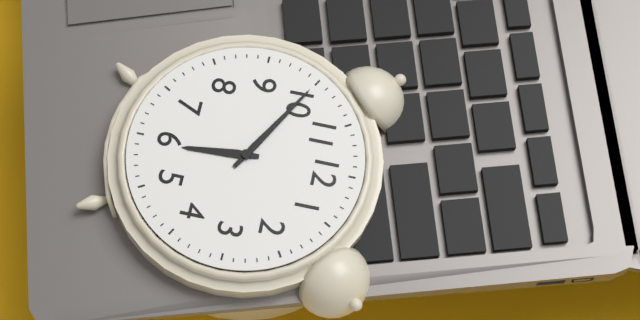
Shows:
5,50
